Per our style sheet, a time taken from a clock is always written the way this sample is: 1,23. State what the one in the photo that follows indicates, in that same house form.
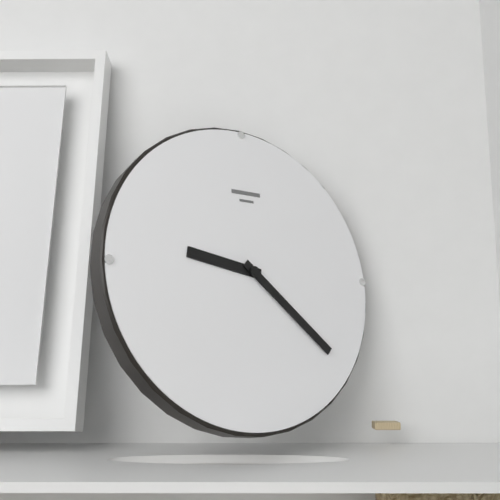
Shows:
9,22
